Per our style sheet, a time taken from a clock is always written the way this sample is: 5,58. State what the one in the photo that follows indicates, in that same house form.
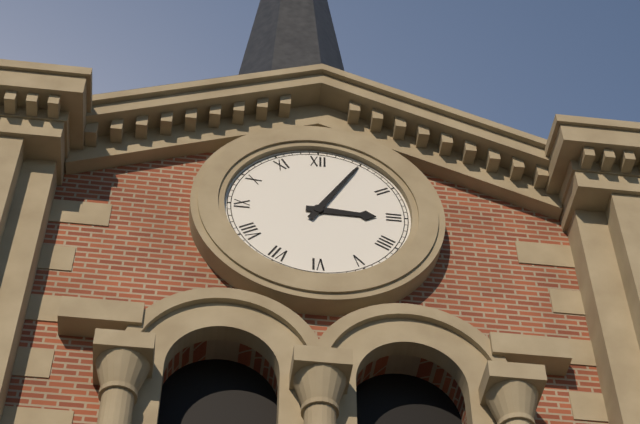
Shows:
3,05
